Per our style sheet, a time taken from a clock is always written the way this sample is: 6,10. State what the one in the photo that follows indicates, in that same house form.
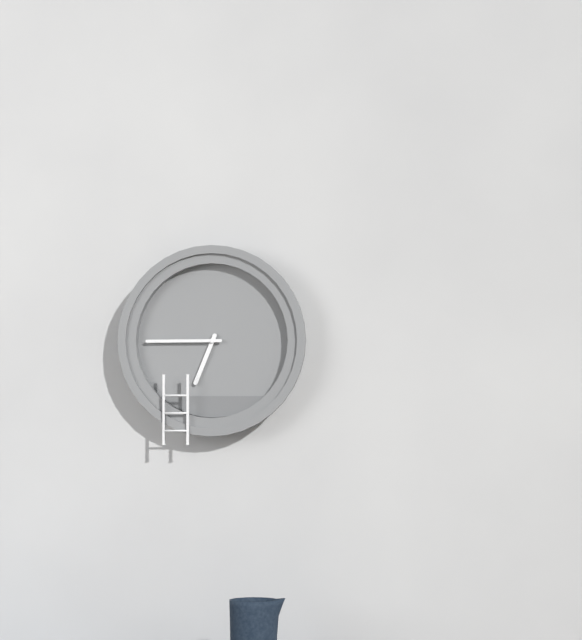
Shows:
6,45
